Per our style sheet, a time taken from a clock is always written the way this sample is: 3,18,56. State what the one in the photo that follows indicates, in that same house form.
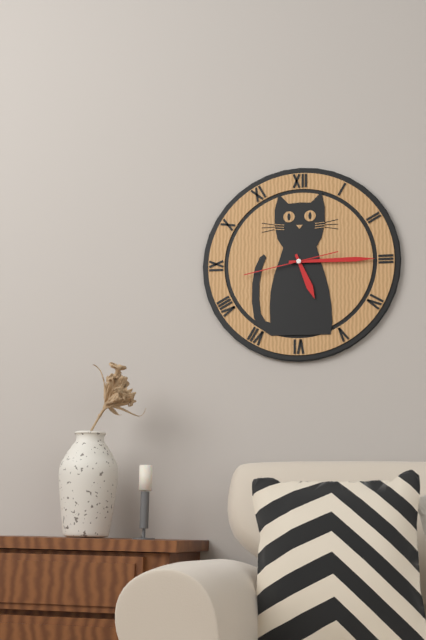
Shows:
5,15,43
